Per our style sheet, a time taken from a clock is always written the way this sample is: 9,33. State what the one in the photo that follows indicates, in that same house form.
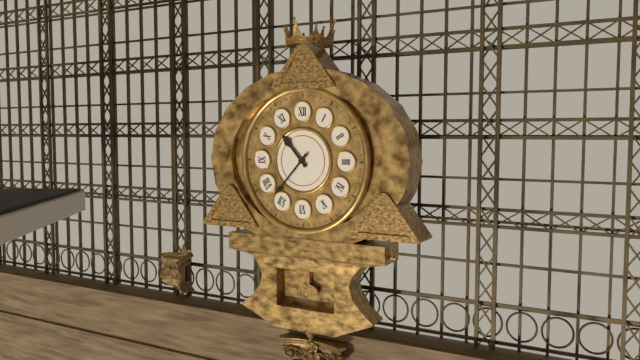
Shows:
10,37
